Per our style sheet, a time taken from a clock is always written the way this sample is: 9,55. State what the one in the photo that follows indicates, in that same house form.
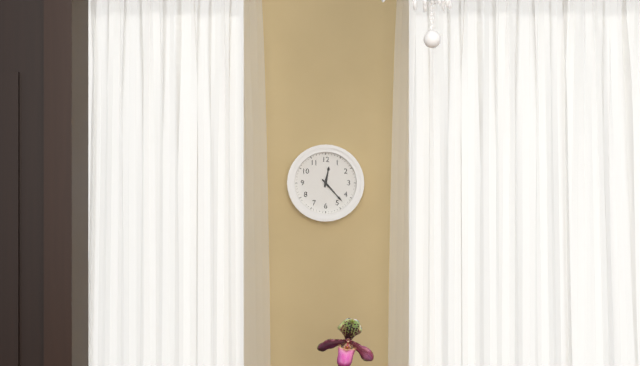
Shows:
12,23
